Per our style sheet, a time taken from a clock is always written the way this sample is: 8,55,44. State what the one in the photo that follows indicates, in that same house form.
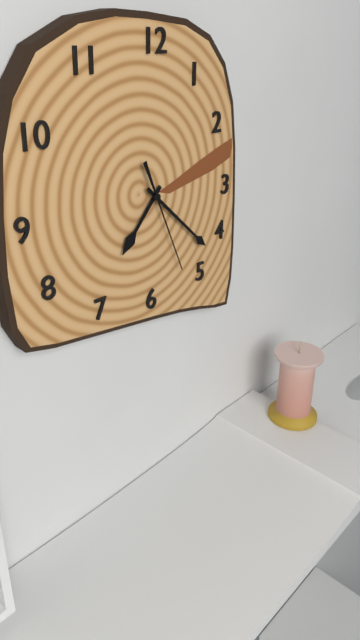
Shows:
7,22,26
